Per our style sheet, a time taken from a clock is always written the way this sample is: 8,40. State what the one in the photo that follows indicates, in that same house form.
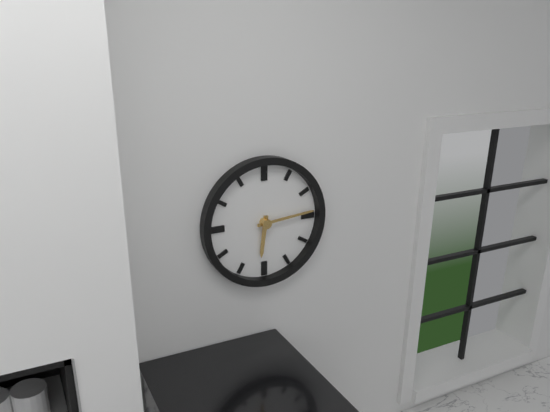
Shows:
6,14
